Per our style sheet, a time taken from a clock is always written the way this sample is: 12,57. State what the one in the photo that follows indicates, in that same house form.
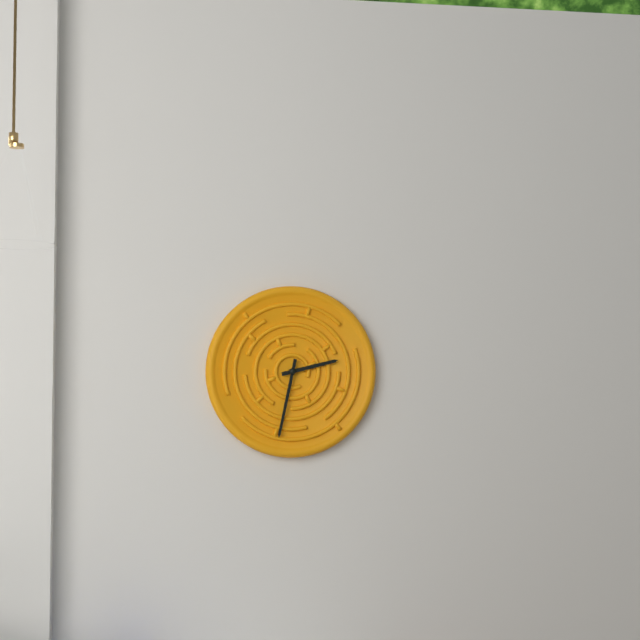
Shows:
2,32
